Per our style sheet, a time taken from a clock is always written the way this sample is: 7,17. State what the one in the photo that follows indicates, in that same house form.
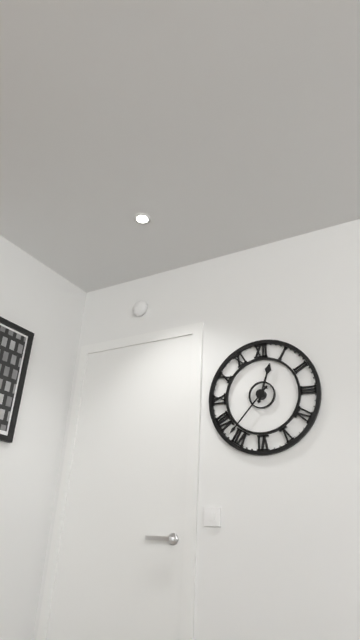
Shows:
12,37
